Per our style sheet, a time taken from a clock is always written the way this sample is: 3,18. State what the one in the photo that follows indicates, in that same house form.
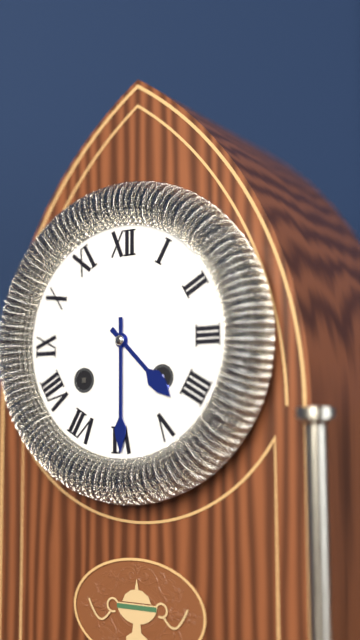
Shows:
4,30
